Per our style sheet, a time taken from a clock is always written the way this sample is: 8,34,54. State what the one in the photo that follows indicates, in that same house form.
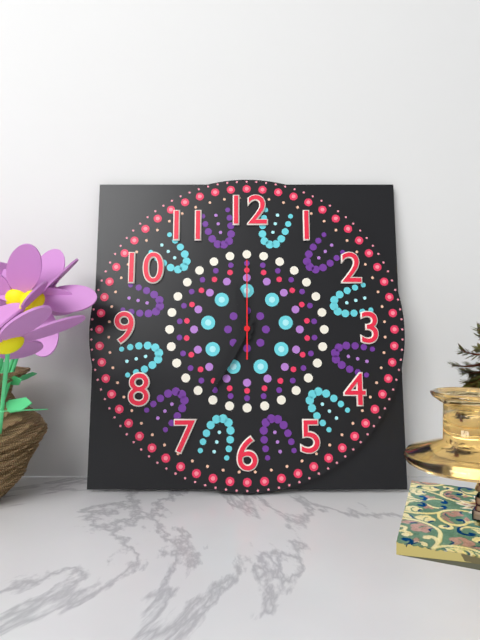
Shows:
11,35,00
